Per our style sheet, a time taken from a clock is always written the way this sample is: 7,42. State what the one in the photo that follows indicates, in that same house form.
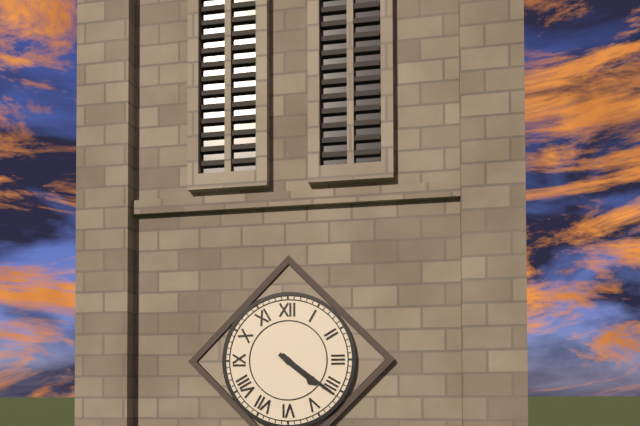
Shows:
4,21
